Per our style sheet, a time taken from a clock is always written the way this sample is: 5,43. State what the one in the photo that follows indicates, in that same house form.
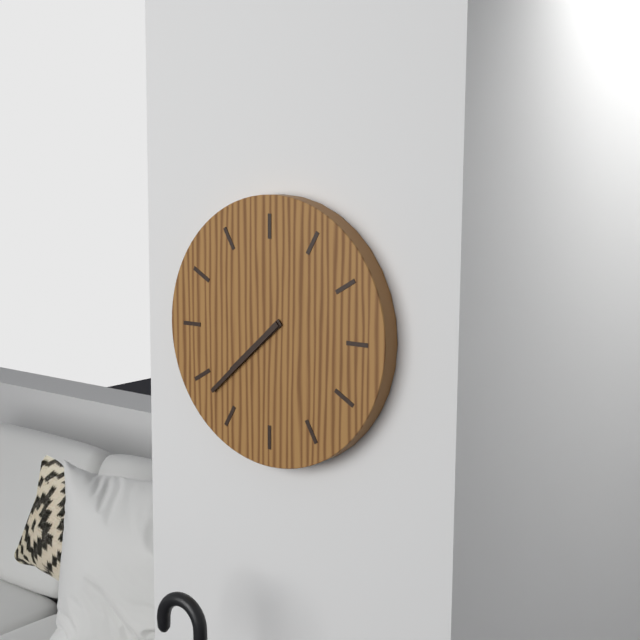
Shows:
7,38
